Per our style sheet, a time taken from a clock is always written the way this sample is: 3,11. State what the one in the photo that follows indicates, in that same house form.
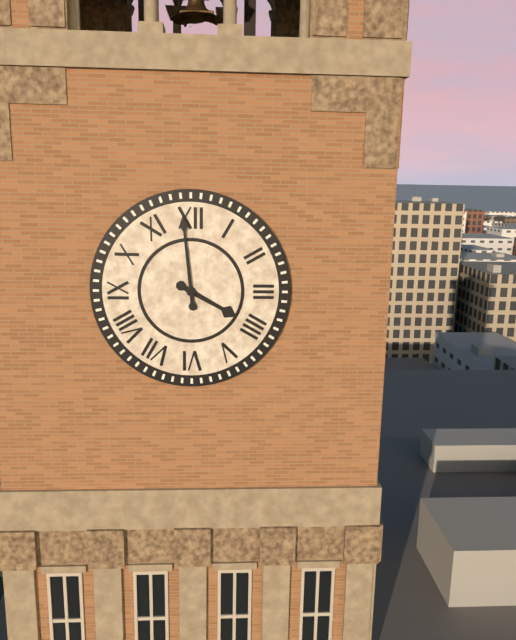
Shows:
3,59
